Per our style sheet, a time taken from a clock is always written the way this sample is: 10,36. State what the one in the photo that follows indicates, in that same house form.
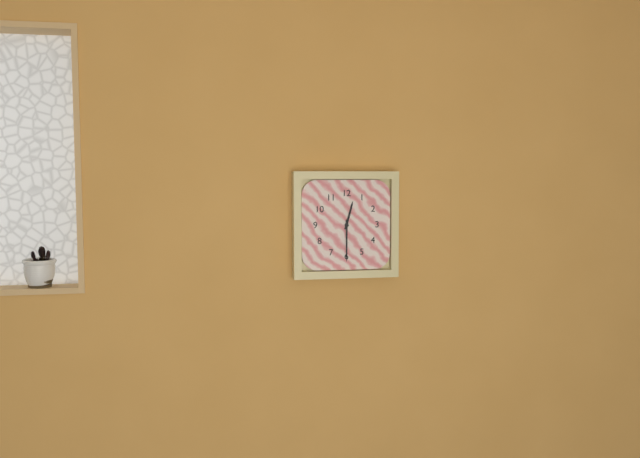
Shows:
12,30
